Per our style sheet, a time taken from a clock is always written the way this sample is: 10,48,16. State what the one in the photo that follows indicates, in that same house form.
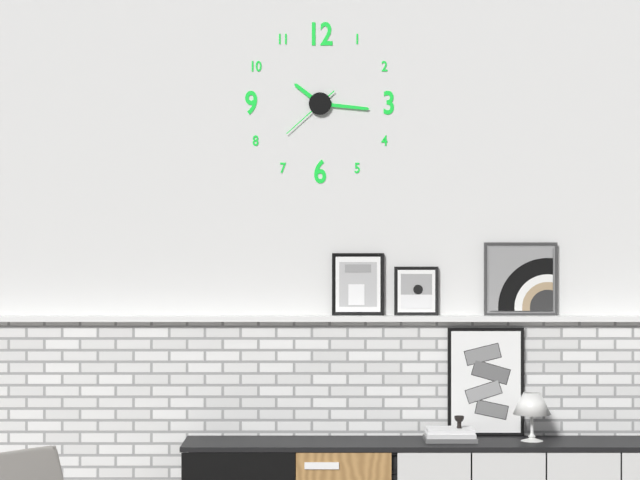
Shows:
10,16,38
